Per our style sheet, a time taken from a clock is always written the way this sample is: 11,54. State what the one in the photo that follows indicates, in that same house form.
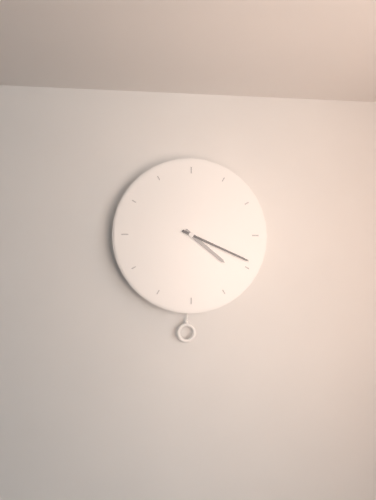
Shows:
4,19
